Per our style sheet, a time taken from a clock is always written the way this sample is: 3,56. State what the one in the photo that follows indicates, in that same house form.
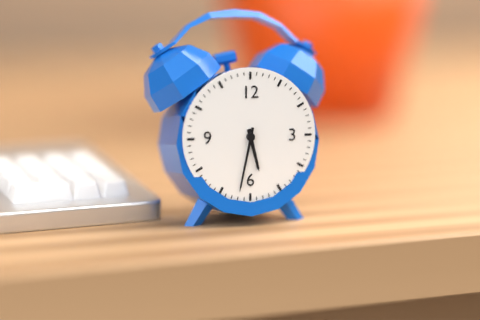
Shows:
5,32
